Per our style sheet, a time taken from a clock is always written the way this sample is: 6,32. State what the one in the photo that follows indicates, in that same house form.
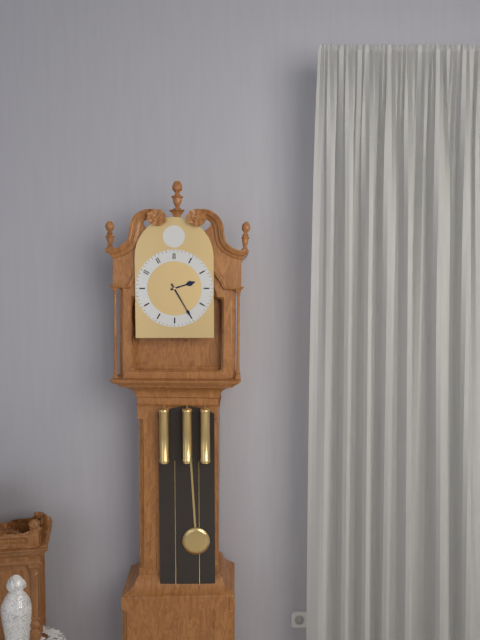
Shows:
2,25
